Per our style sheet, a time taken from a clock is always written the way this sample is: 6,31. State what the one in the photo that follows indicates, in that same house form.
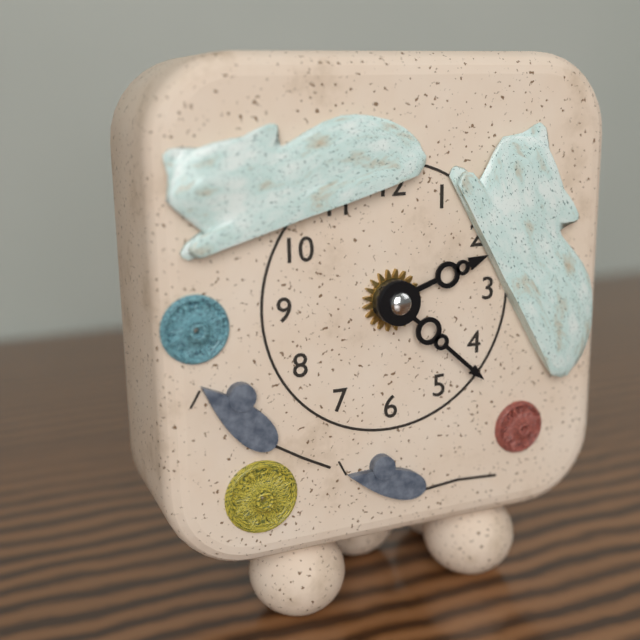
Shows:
2,22
